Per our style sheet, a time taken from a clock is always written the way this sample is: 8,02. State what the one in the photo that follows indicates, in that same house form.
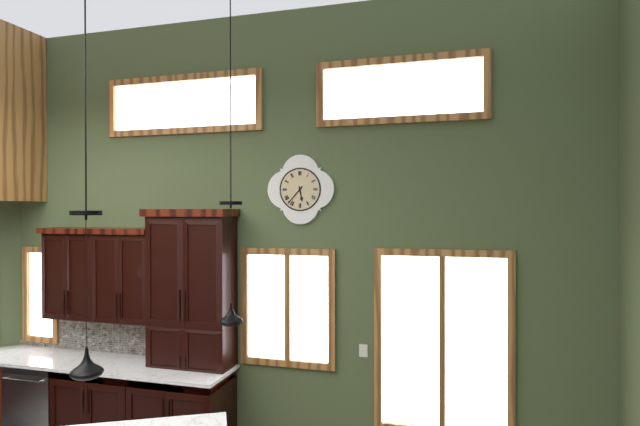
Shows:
5,37
